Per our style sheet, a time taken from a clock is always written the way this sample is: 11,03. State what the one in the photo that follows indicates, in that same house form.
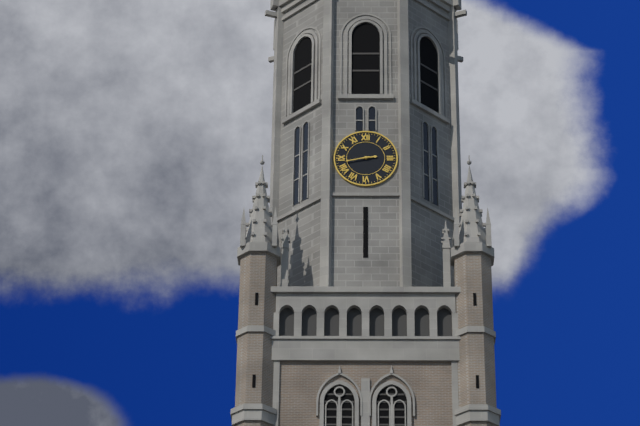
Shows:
2,43
